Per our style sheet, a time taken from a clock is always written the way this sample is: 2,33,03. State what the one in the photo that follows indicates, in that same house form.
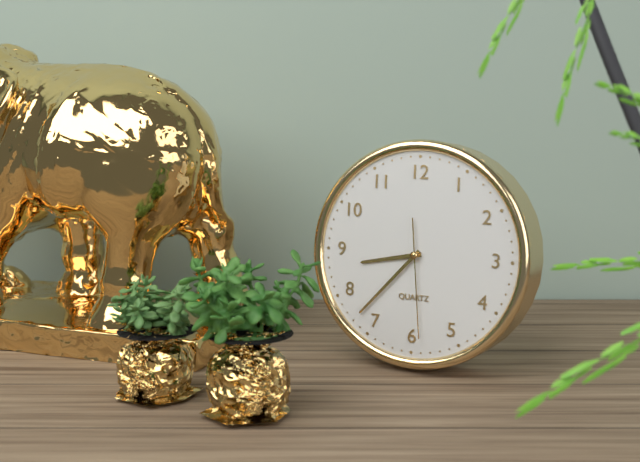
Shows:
8,37,29
